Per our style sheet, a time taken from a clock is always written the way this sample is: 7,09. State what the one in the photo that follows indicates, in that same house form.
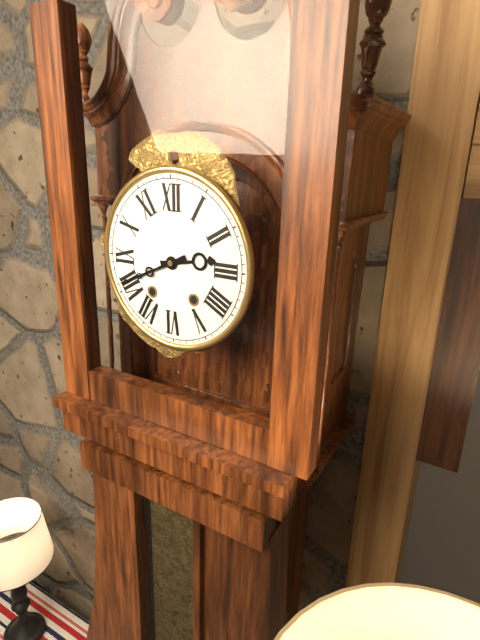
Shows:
2,41
